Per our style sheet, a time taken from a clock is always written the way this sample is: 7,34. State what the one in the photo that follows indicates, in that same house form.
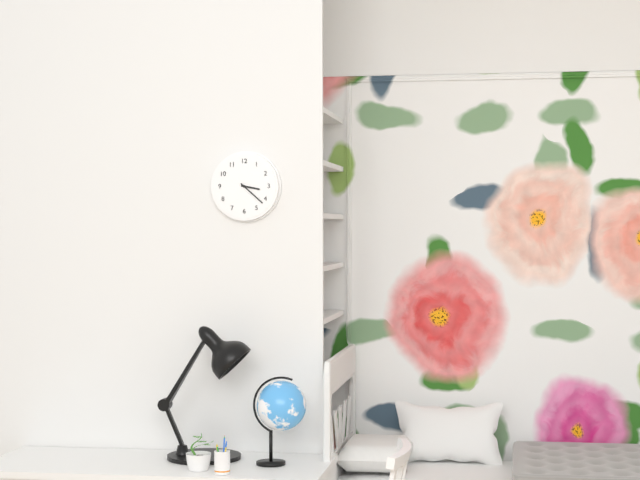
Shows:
3,22
